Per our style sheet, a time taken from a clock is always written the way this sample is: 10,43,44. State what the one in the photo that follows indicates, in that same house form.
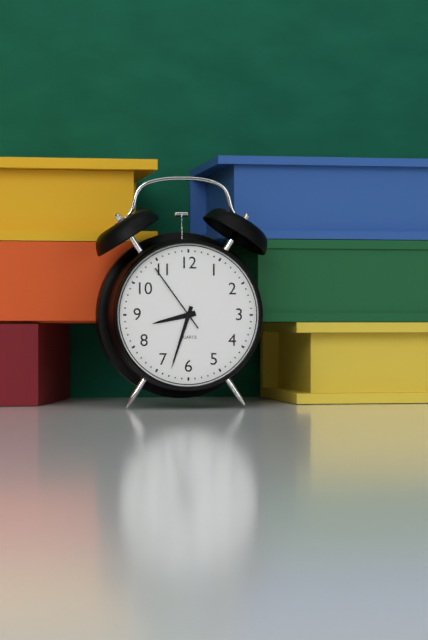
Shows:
8,33,54
